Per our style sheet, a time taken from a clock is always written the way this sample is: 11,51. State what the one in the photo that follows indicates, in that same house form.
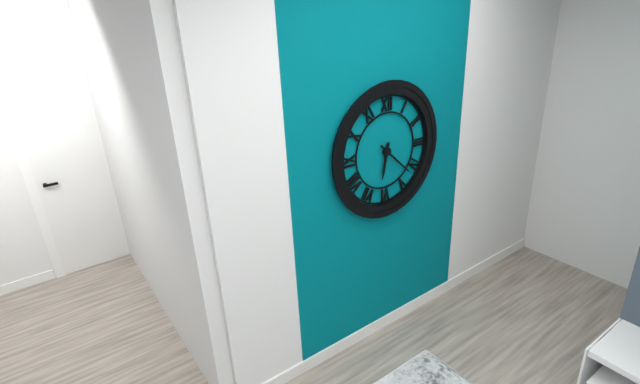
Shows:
6,22
